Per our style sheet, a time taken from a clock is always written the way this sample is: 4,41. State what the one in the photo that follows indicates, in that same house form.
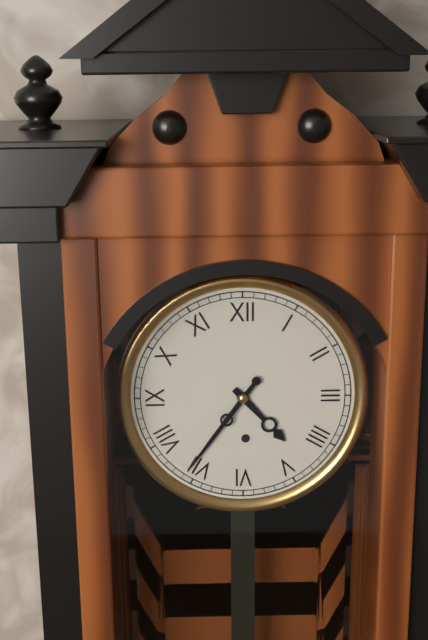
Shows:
4,36
